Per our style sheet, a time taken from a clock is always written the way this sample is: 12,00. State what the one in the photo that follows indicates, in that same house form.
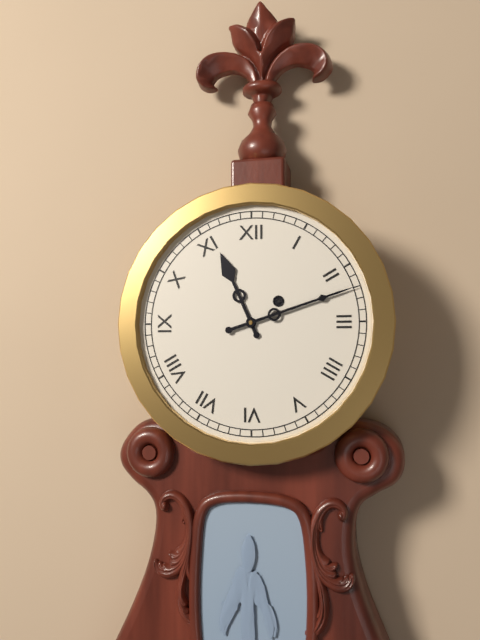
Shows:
11,12
